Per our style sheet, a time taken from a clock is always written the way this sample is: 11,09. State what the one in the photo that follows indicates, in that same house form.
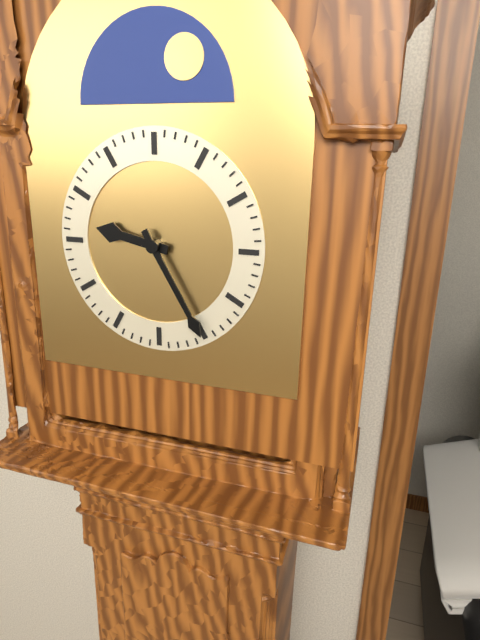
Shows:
9,25
